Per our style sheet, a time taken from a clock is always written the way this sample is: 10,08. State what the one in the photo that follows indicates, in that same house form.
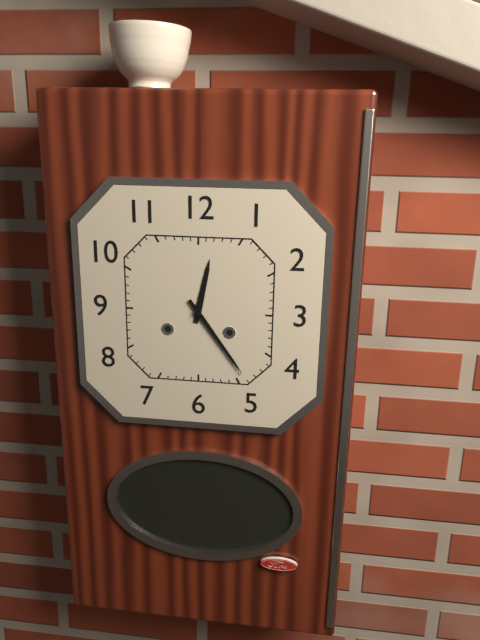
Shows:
12,24
